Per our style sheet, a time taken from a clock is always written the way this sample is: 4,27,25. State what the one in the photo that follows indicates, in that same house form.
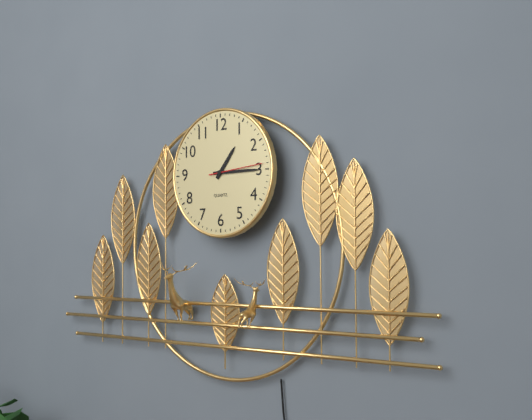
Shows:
1,15,14
